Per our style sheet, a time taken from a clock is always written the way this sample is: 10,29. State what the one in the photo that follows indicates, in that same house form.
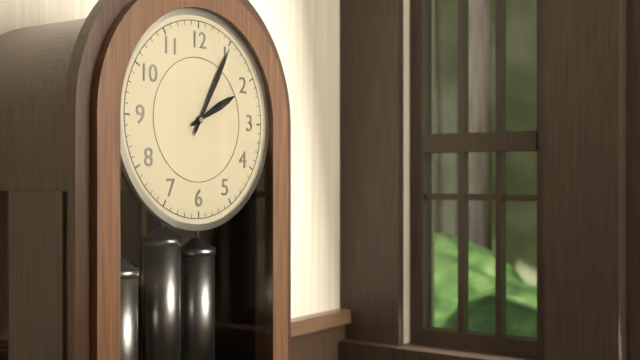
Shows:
2,05
